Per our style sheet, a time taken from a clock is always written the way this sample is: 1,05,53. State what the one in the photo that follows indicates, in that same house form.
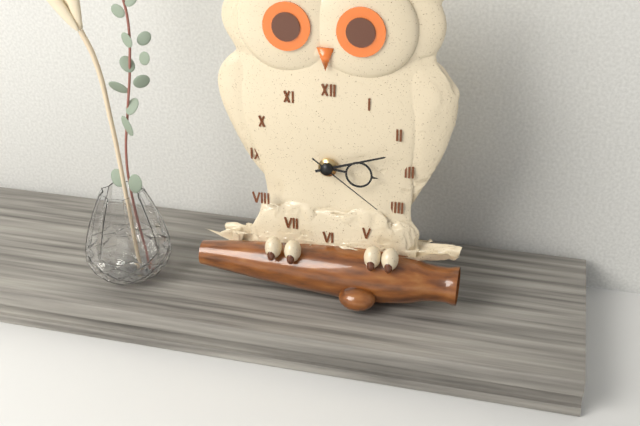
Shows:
3,12,21
